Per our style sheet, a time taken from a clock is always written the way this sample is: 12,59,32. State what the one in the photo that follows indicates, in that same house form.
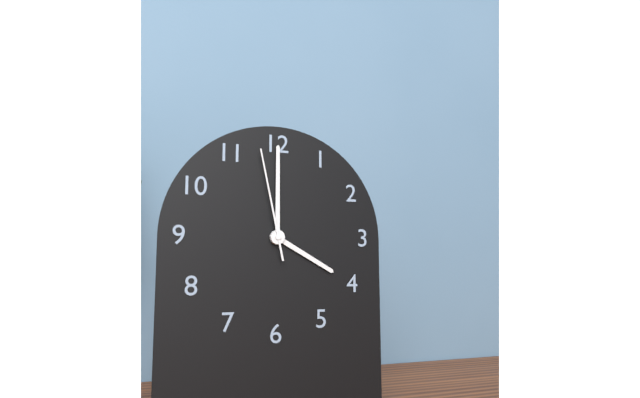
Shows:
4,00,58
